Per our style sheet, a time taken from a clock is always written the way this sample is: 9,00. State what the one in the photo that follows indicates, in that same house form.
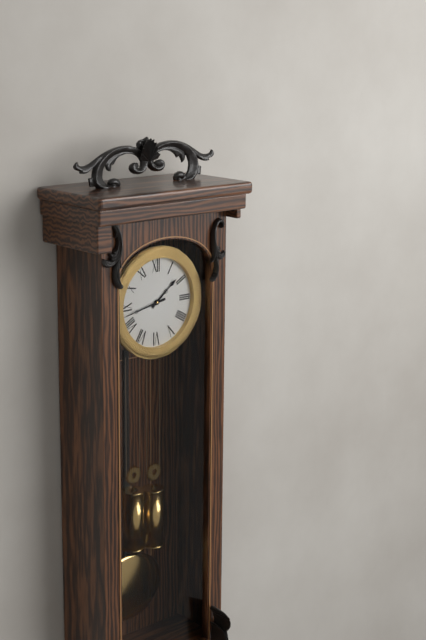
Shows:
1,43
